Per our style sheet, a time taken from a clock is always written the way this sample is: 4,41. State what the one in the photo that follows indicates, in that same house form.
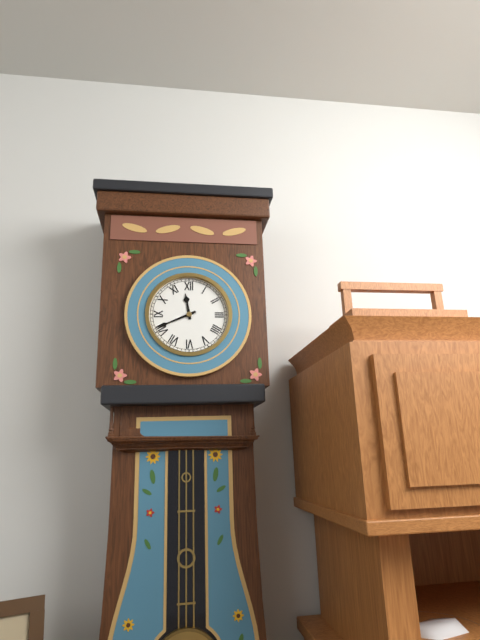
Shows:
11,41
